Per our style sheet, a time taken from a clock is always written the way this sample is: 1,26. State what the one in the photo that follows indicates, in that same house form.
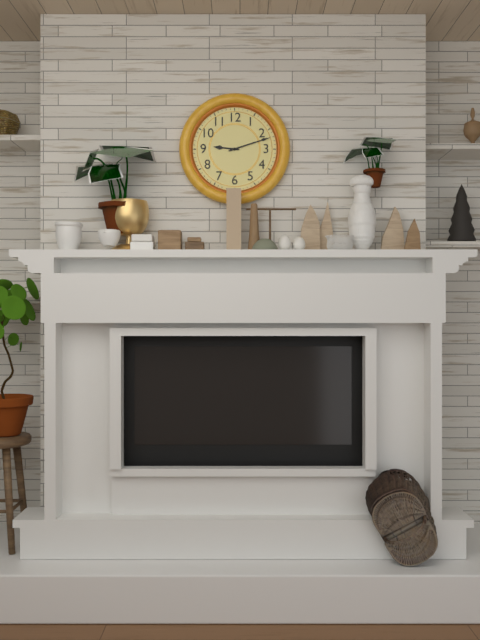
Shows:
9,12
